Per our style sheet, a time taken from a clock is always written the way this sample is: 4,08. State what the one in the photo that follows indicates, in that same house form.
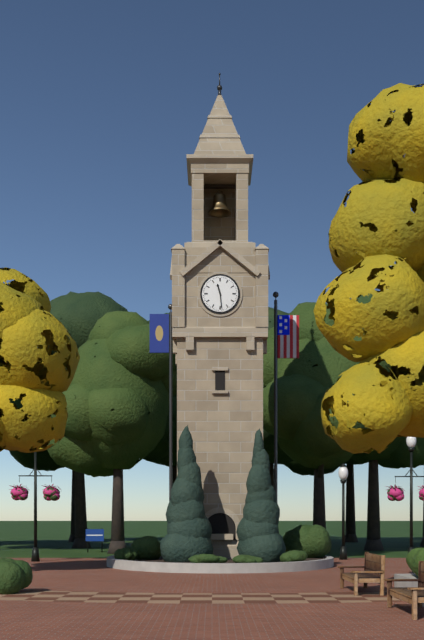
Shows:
11,29
